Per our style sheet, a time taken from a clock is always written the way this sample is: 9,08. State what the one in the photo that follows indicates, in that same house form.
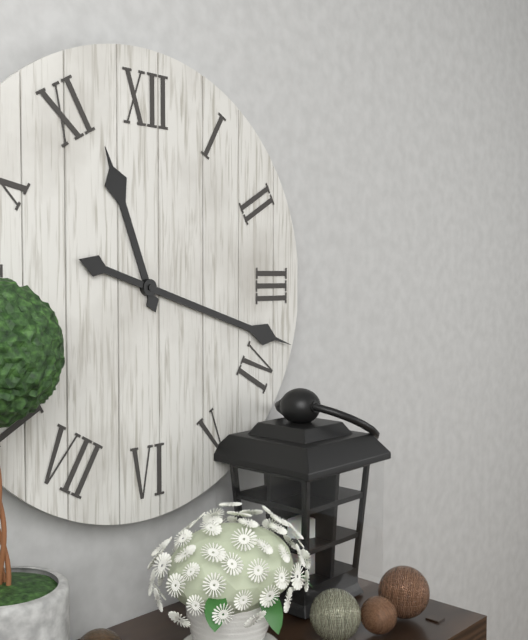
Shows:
11,18
